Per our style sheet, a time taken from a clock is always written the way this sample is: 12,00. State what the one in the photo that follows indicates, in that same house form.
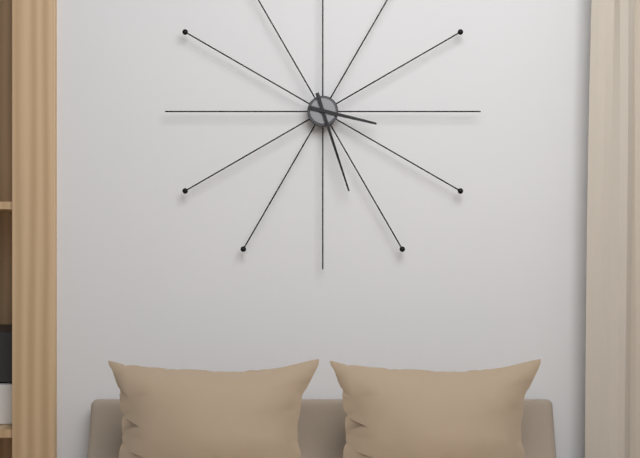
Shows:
3,27
